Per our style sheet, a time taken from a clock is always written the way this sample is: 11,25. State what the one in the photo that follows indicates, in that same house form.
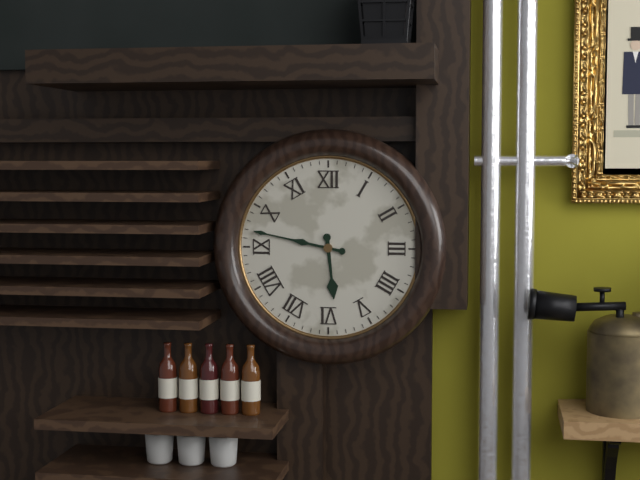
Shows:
5,47
